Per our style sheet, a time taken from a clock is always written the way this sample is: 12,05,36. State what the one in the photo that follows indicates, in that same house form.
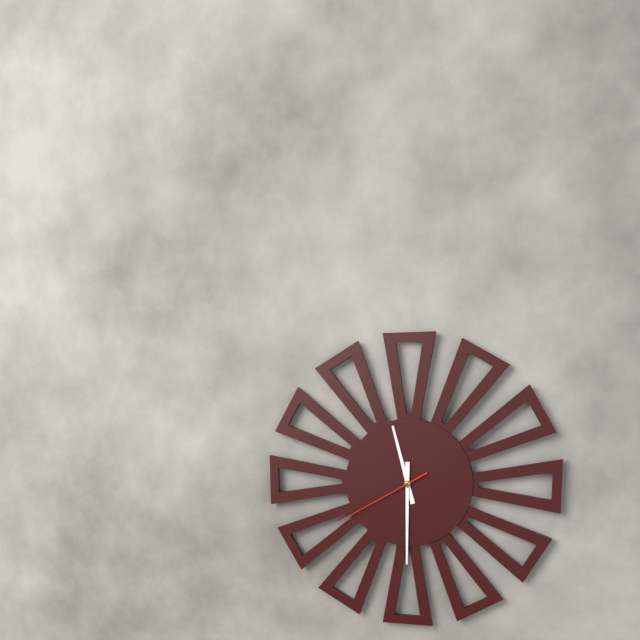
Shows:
11,30,40
